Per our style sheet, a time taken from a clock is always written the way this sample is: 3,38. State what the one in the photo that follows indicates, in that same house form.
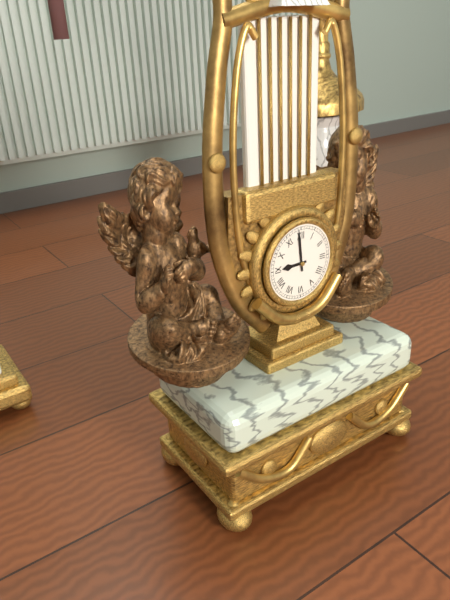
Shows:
8,59
